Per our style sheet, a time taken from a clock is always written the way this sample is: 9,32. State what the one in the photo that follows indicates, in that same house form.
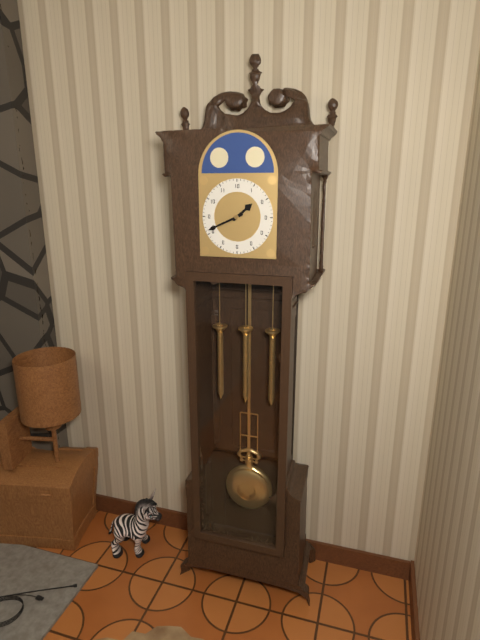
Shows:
1,41
